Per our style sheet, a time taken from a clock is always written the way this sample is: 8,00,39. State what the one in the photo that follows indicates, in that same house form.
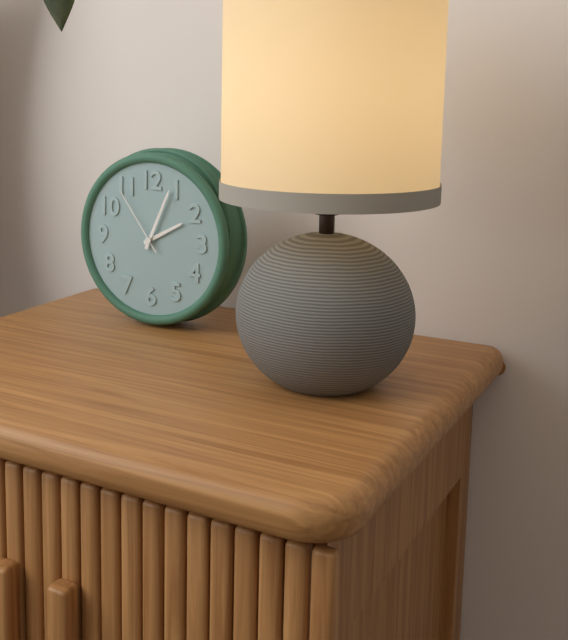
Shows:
2,04,54
